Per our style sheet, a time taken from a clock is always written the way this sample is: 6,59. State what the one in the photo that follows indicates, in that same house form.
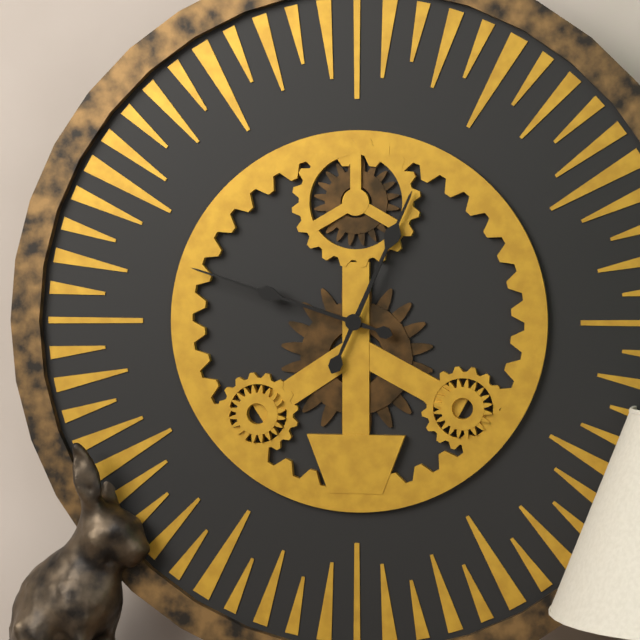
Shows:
12,48
